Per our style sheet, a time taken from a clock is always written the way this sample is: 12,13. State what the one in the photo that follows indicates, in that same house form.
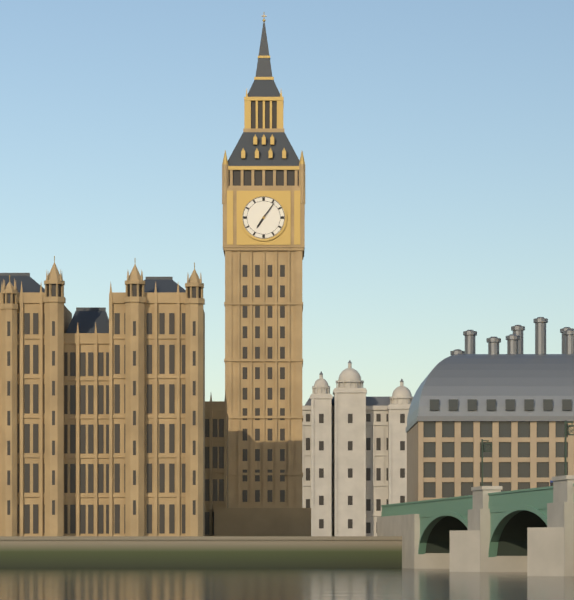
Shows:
7,06
